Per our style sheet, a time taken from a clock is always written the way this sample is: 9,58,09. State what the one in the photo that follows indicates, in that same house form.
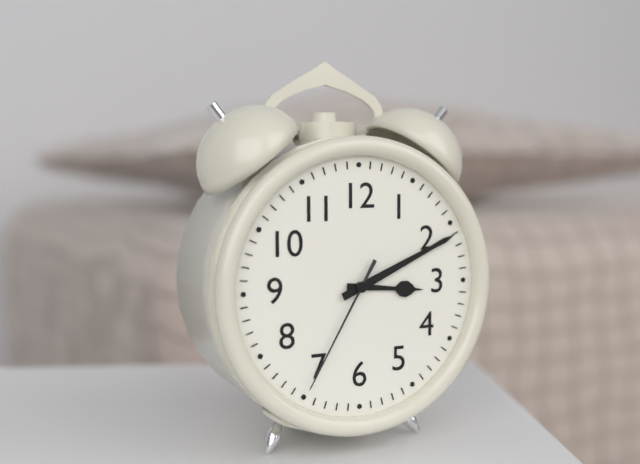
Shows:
3,11,35
